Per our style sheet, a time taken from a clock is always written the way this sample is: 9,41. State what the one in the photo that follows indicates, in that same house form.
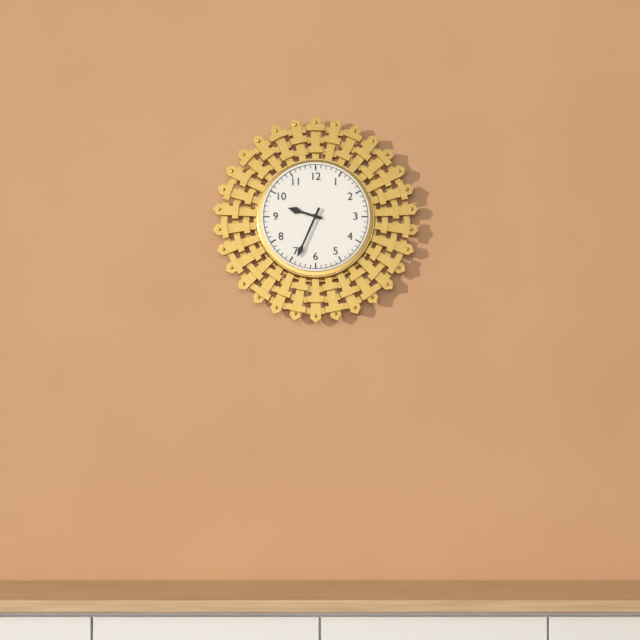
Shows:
9,34
